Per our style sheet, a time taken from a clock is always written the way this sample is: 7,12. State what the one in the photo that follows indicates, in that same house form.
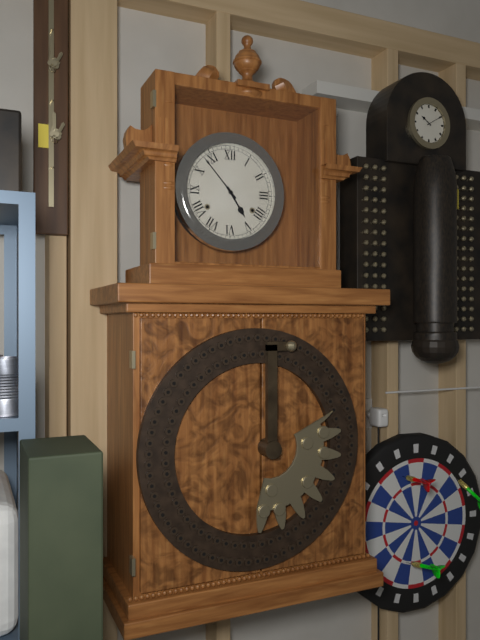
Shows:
4,53
